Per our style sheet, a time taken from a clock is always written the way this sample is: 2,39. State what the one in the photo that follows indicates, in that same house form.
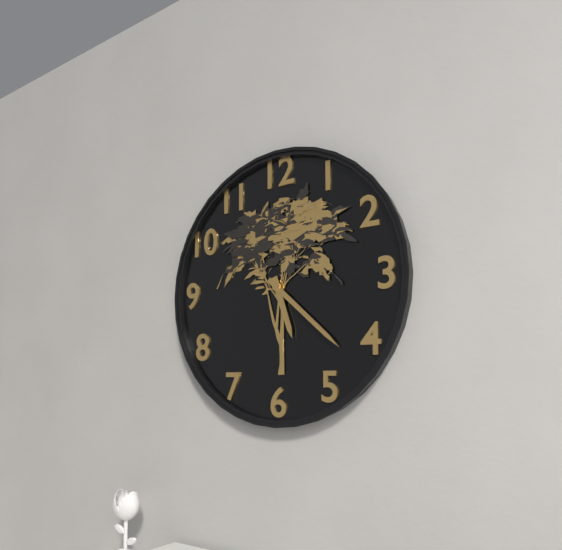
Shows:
5,22
